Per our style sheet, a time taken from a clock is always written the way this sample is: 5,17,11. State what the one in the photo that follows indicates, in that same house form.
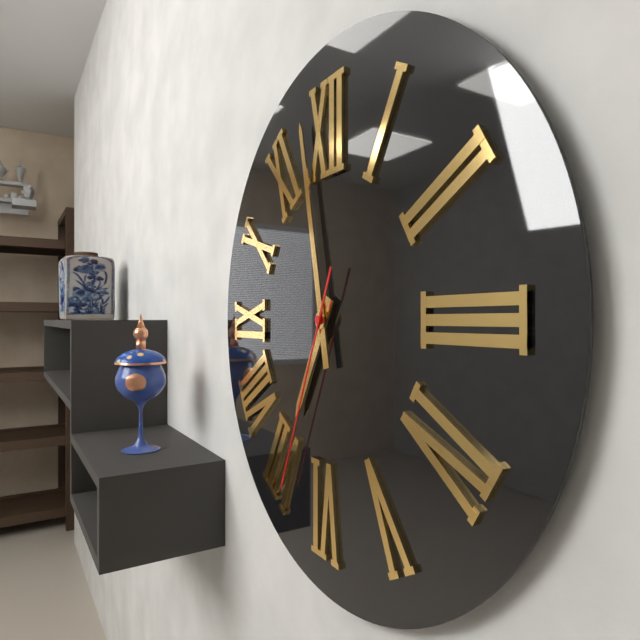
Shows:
6,58,34
